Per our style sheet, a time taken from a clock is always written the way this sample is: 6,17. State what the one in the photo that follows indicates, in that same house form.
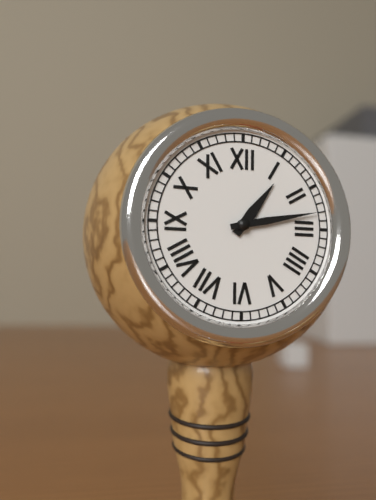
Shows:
1,13
